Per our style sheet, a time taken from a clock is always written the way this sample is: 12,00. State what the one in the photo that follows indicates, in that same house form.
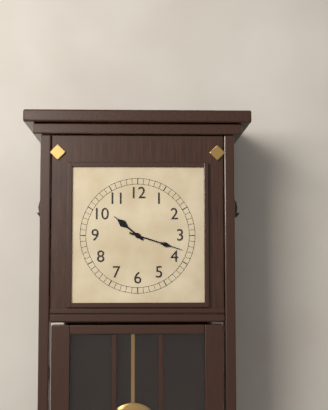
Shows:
10,18
